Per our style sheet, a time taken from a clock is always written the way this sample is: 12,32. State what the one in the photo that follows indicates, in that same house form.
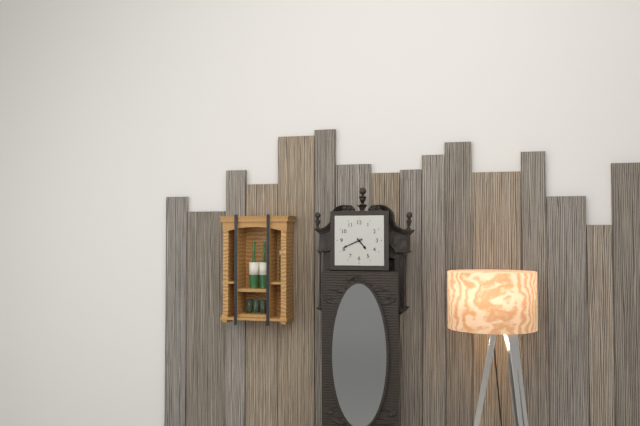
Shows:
4,41
